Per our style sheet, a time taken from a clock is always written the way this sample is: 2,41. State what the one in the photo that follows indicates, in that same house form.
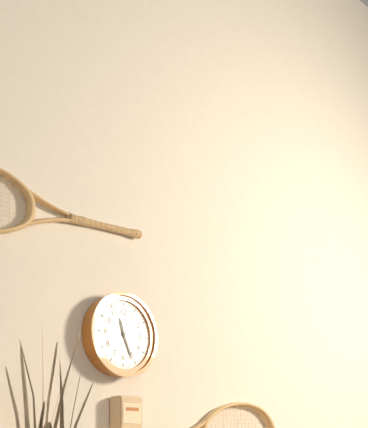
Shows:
11,26
